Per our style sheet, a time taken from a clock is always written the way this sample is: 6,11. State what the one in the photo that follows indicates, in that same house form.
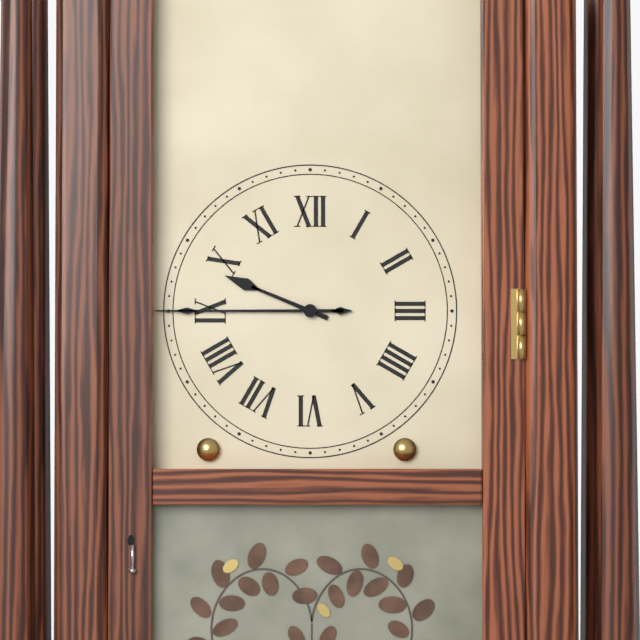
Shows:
9,45
